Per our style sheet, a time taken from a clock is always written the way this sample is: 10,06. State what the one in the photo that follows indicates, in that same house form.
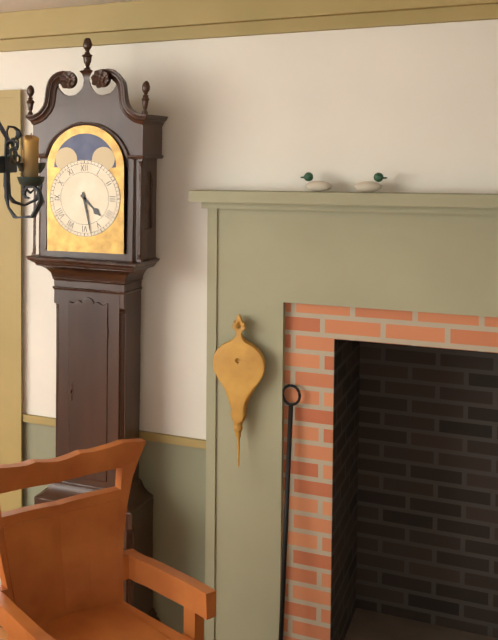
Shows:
4,28
